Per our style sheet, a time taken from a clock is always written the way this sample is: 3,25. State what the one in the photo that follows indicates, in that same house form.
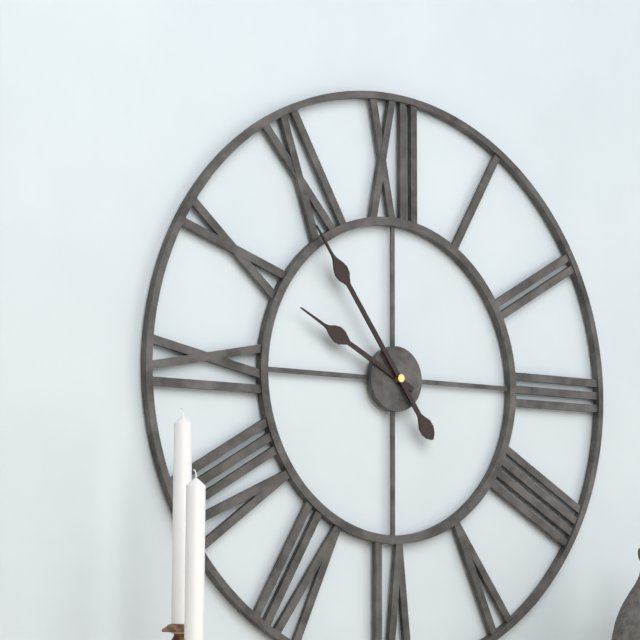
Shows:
9,54
